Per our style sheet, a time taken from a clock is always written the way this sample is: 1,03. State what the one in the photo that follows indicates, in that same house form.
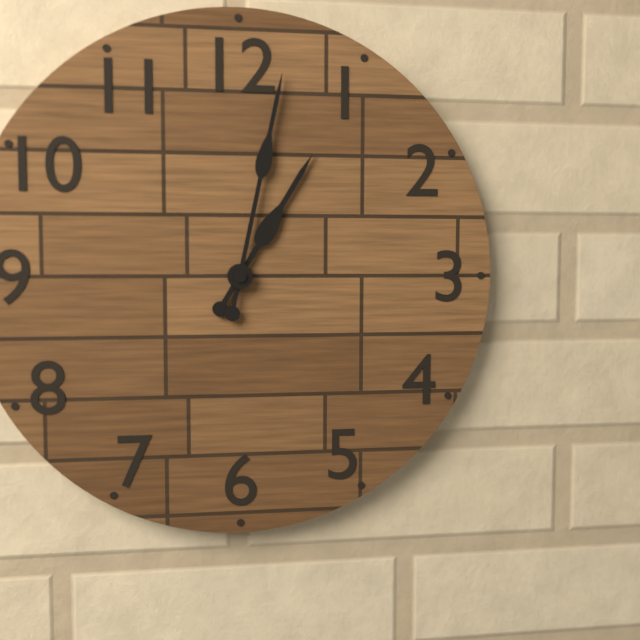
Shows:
1,02
